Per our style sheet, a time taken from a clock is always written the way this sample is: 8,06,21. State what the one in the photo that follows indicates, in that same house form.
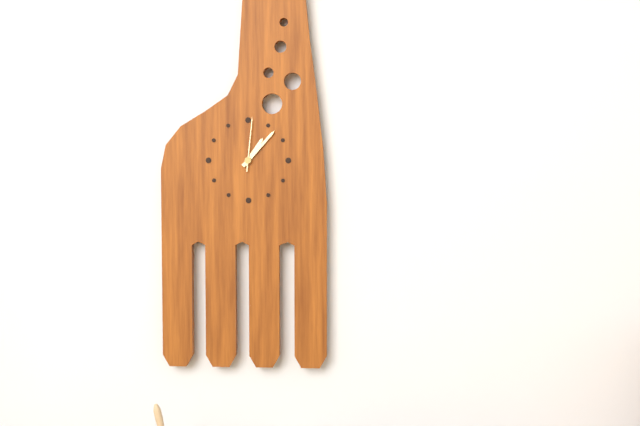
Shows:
1,07,01
